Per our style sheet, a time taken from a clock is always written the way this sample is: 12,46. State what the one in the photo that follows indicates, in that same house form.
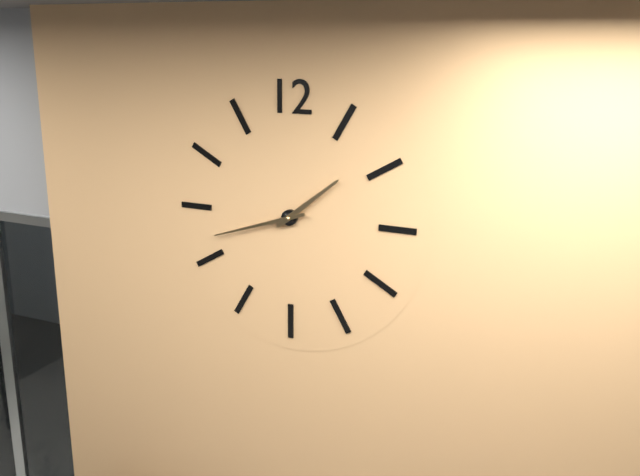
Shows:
1,42
